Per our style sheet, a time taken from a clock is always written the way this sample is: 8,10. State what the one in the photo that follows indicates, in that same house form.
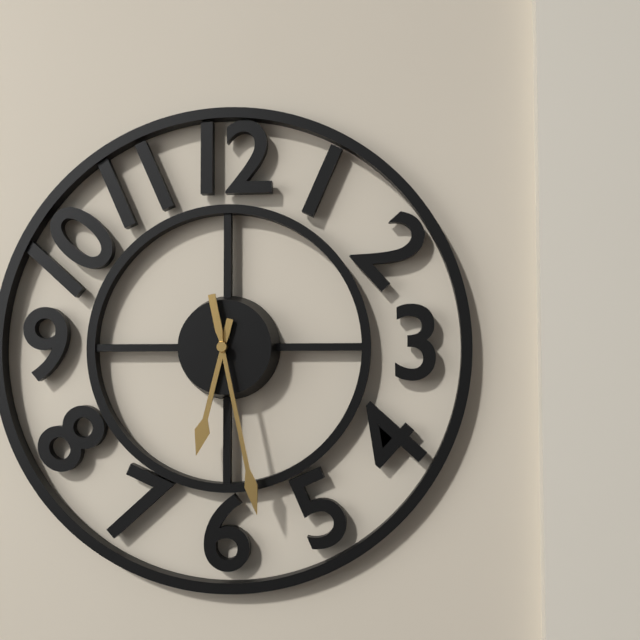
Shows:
6,28
